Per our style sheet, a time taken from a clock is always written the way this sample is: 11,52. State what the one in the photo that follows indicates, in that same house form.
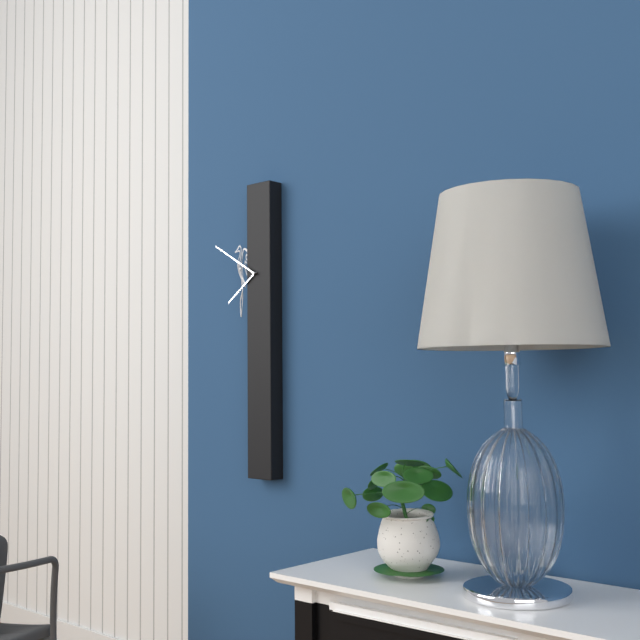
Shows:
7,50
